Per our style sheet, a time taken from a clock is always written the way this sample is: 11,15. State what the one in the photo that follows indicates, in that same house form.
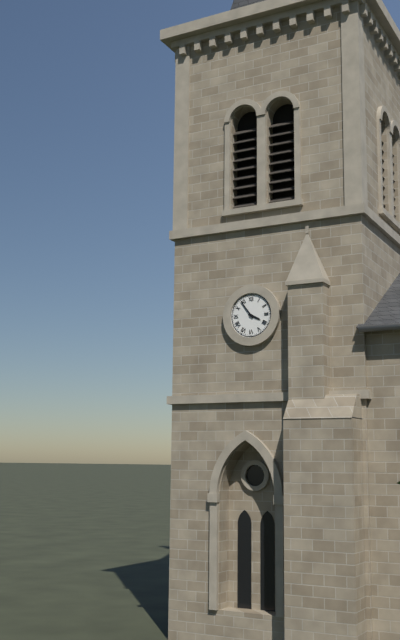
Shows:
3,54
